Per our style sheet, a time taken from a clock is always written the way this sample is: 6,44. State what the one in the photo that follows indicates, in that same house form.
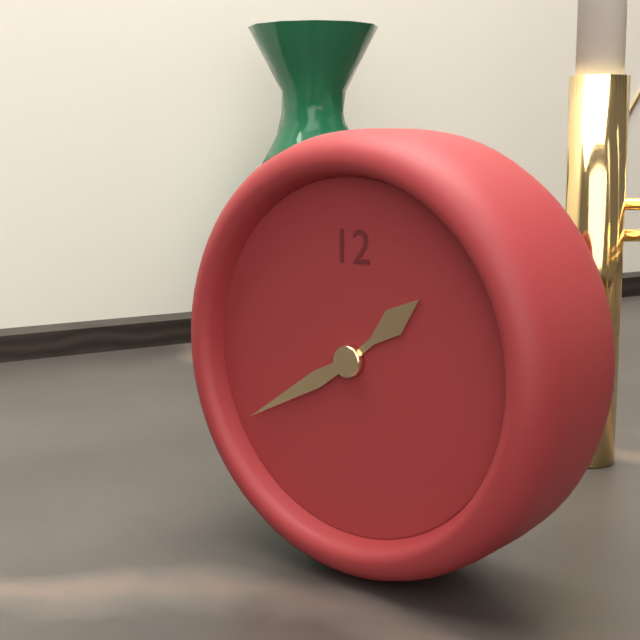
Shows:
1,40
